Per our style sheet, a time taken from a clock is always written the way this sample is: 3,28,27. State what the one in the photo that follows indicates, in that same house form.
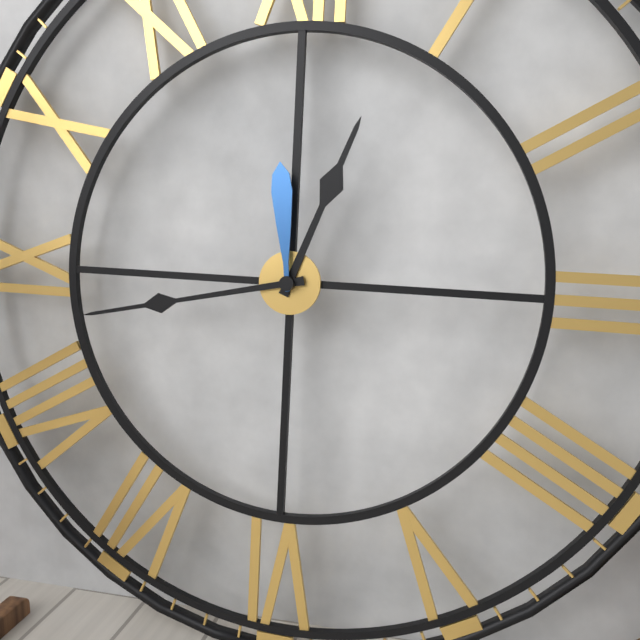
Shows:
12,43,59
